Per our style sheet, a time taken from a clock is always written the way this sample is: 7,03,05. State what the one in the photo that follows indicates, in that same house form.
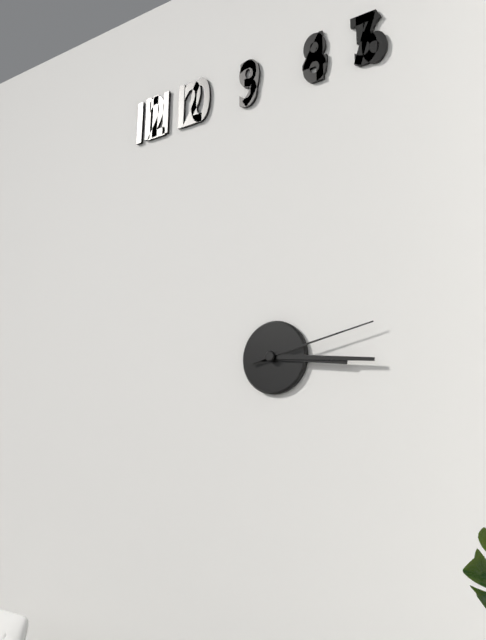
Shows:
3,16,13
